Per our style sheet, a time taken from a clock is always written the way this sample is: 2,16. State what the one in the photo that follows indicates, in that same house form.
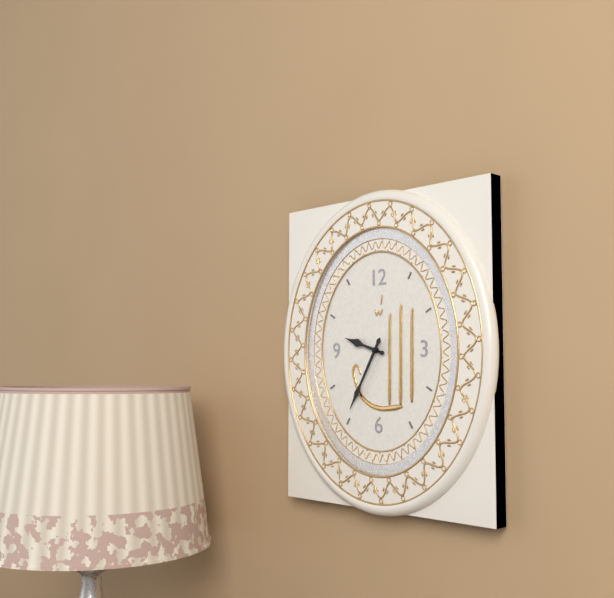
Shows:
9,35
